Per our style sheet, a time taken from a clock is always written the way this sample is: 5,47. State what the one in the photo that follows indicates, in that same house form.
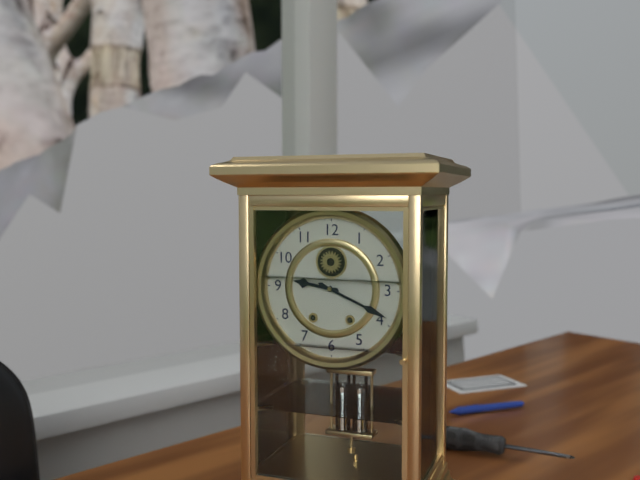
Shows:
9,19
